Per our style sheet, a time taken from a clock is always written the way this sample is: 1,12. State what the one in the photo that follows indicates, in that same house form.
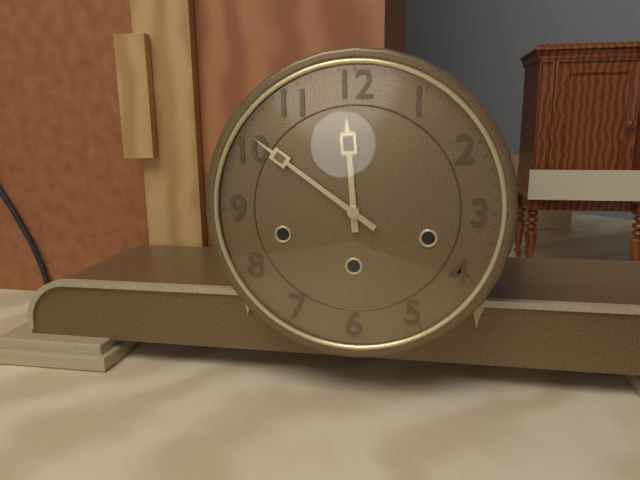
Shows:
11,51
